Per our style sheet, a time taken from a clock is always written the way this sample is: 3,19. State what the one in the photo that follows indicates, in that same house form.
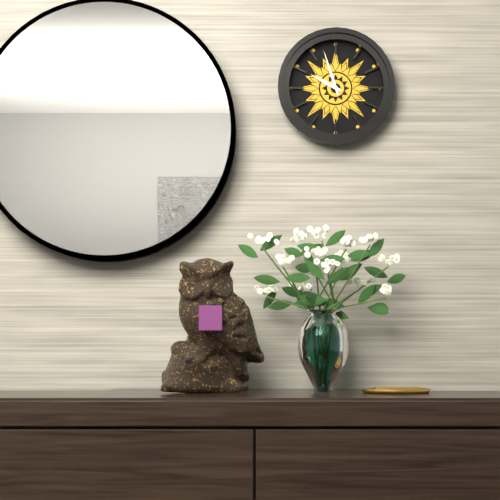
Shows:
9,57
